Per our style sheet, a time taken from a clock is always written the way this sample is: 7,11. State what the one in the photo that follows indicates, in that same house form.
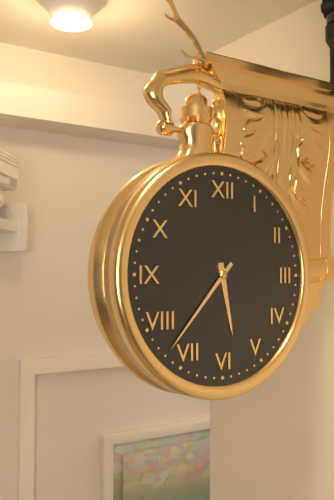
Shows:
5,37
